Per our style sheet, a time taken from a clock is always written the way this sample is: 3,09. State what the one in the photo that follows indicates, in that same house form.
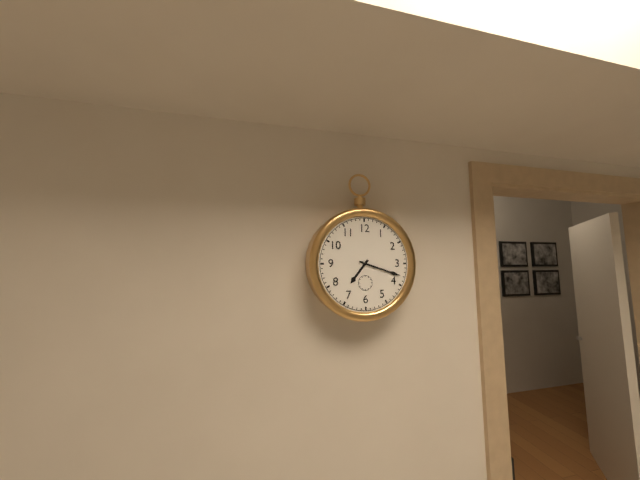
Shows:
7,18
